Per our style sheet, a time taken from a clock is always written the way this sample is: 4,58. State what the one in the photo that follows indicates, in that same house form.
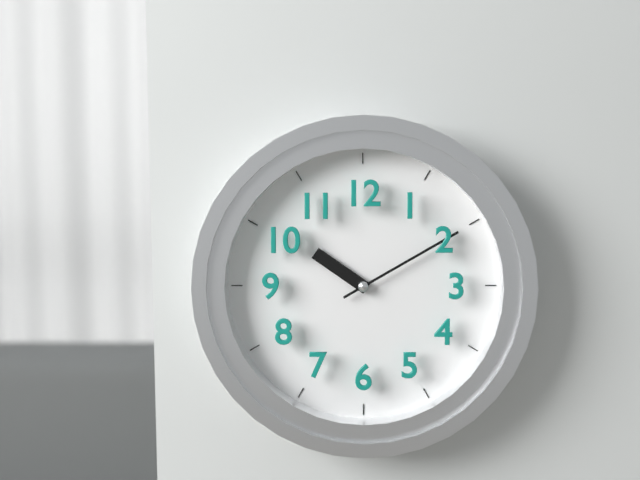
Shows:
10,10
